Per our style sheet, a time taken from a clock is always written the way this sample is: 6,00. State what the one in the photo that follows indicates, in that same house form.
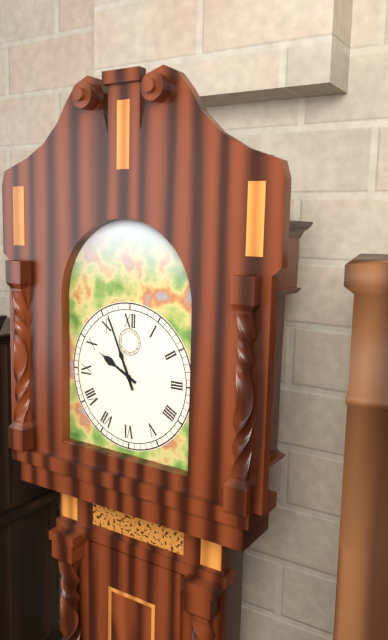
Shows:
9,56
